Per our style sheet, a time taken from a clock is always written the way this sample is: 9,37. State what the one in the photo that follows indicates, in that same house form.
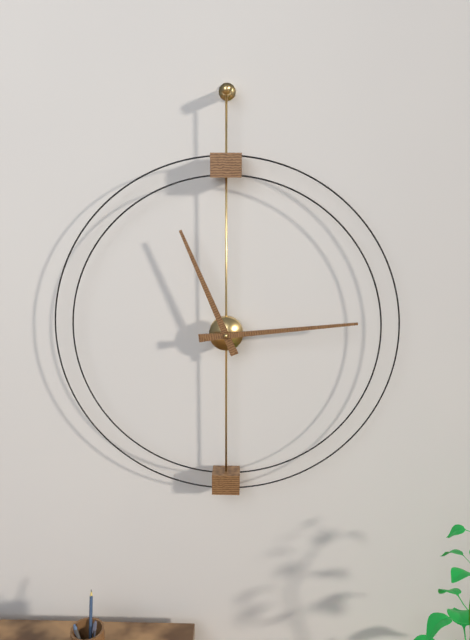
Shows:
11,14
